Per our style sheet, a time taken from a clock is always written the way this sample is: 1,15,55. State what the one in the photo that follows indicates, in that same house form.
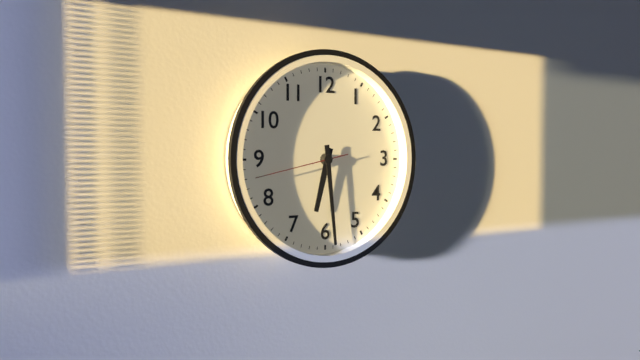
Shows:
6,29,43
